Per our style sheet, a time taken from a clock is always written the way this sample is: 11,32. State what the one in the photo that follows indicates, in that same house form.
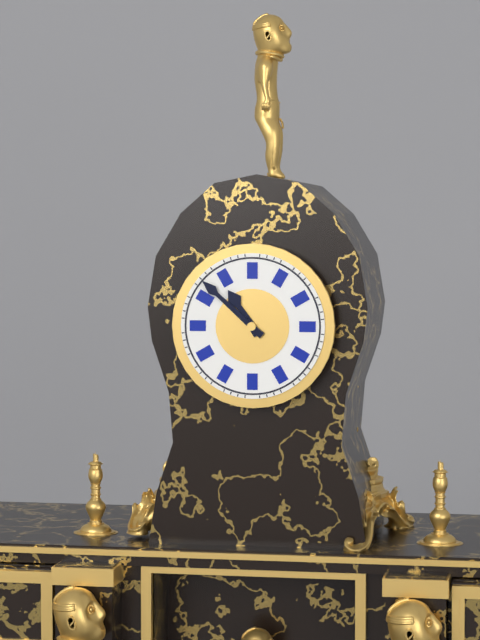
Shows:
10,52
